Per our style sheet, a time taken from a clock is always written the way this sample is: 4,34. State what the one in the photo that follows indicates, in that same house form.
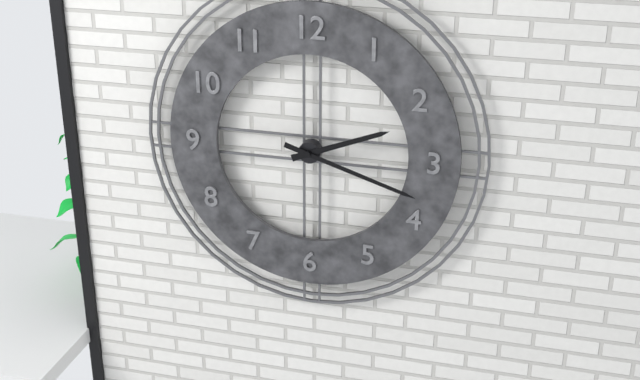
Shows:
2,18
